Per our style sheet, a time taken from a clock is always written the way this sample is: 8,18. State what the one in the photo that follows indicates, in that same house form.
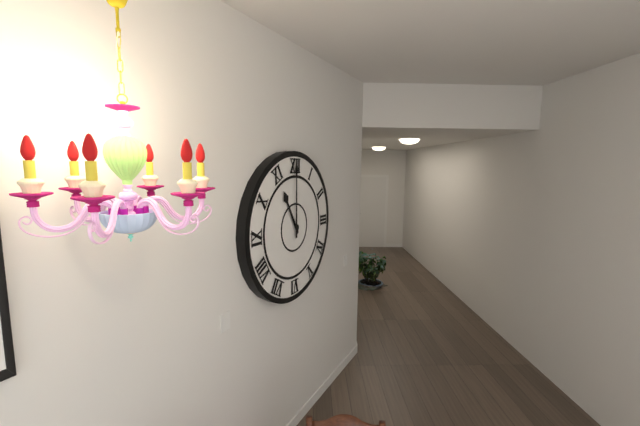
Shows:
11,00
